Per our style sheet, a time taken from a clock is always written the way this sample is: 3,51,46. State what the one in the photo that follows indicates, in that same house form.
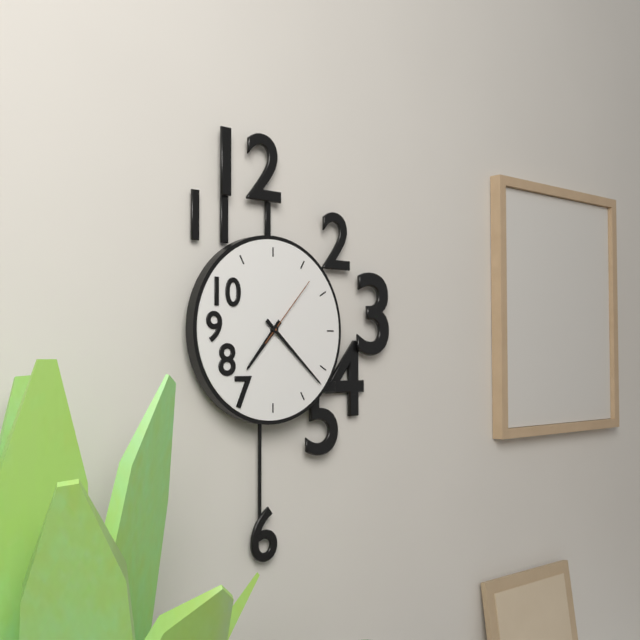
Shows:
7,22,07
